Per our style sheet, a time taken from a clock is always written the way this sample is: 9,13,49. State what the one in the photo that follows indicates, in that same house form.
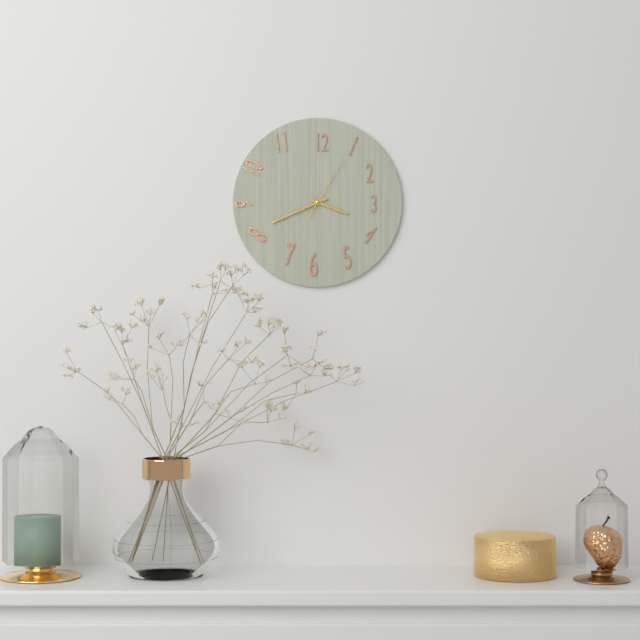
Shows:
3,41,05
